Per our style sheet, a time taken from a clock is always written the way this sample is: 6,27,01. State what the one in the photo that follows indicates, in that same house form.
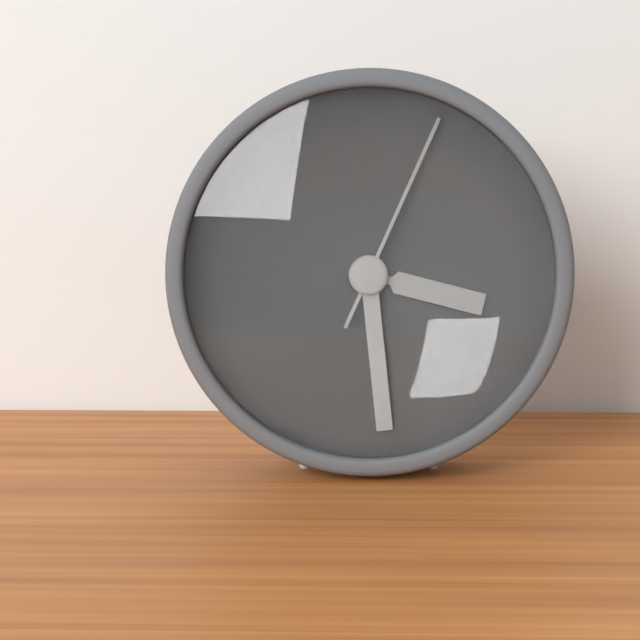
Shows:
3,29,04
